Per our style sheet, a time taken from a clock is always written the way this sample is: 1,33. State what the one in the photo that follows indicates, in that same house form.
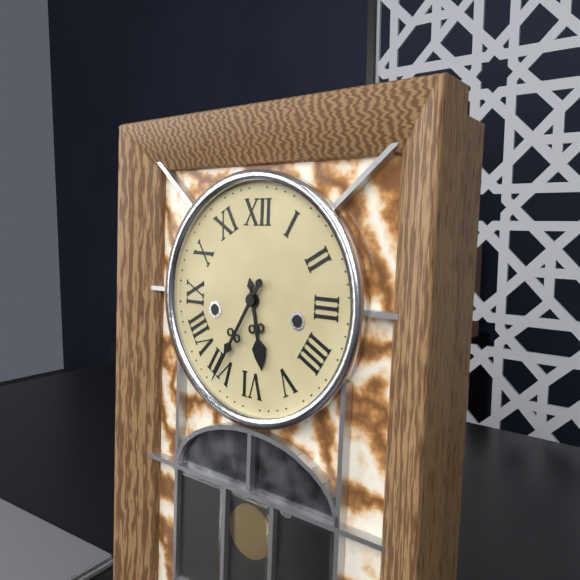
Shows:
5,35
